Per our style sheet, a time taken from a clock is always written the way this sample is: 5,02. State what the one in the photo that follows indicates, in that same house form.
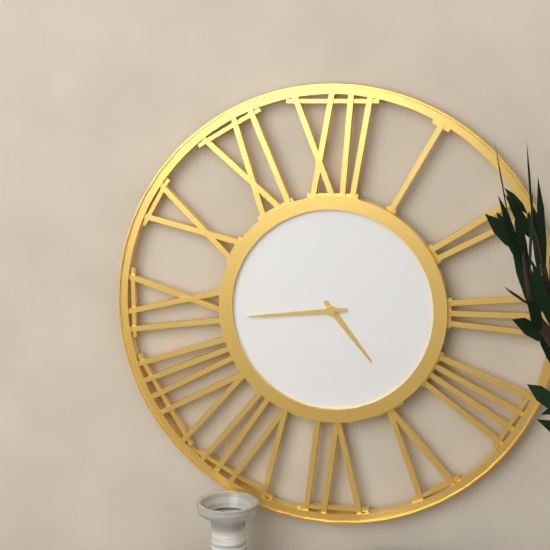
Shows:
4,44
